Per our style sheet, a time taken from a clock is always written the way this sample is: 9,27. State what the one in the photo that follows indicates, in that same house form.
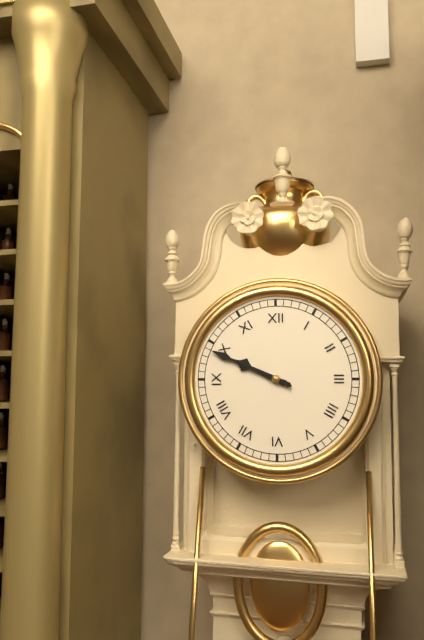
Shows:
9,49
